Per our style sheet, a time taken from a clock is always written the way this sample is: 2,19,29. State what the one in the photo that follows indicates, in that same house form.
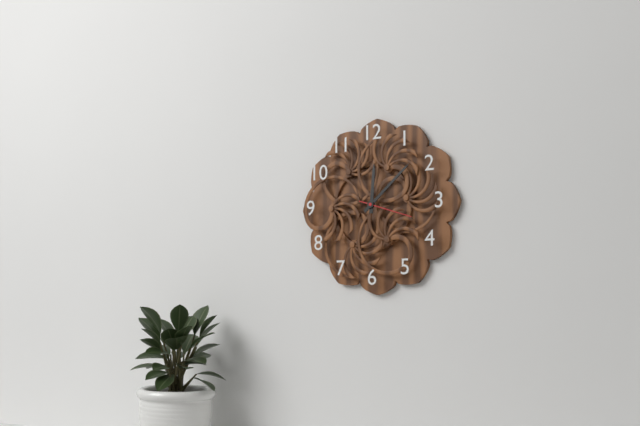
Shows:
12,08,18
